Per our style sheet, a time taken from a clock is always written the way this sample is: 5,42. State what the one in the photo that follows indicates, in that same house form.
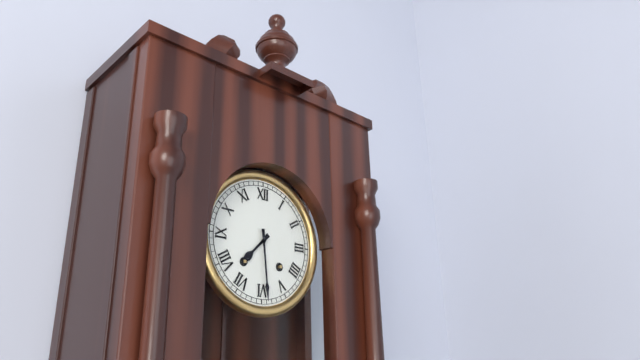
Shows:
7,29
